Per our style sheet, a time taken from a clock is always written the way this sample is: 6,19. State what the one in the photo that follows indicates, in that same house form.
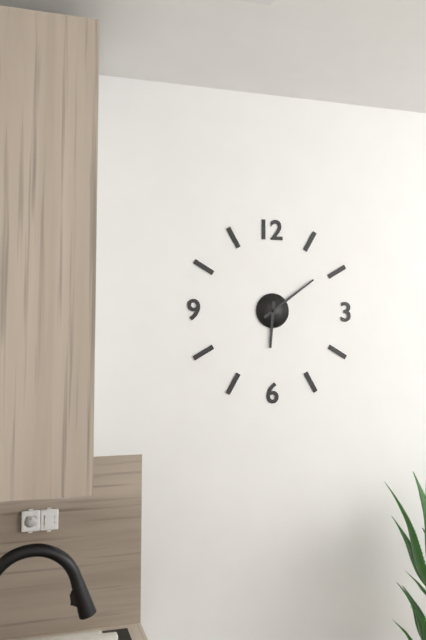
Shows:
6,09
